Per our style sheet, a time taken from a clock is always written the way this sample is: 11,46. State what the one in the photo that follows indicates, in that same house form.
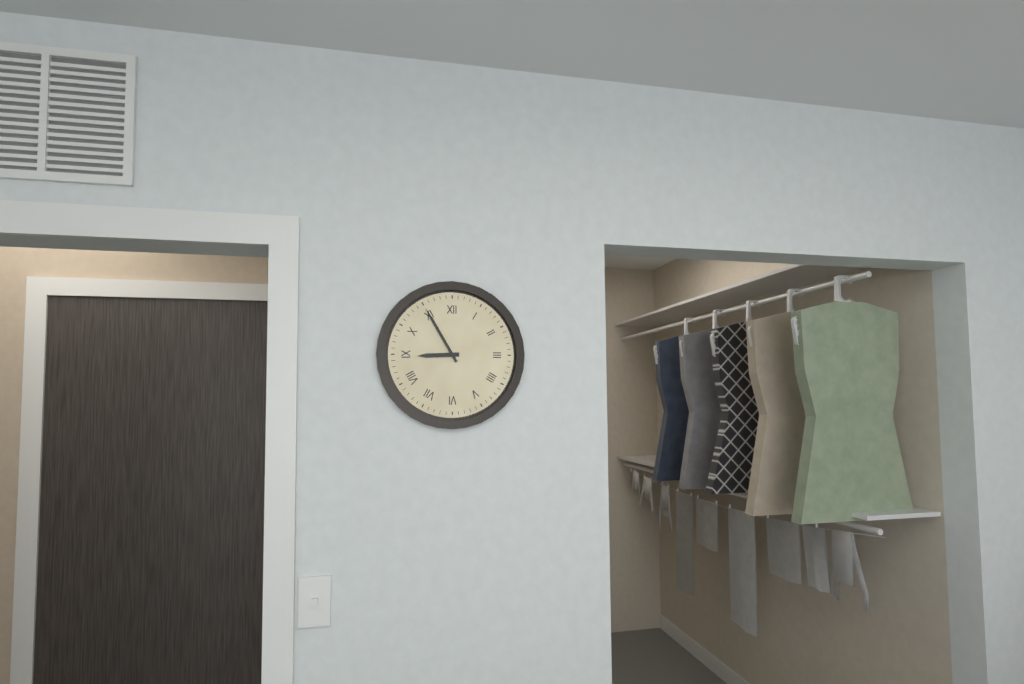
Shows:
8,55
